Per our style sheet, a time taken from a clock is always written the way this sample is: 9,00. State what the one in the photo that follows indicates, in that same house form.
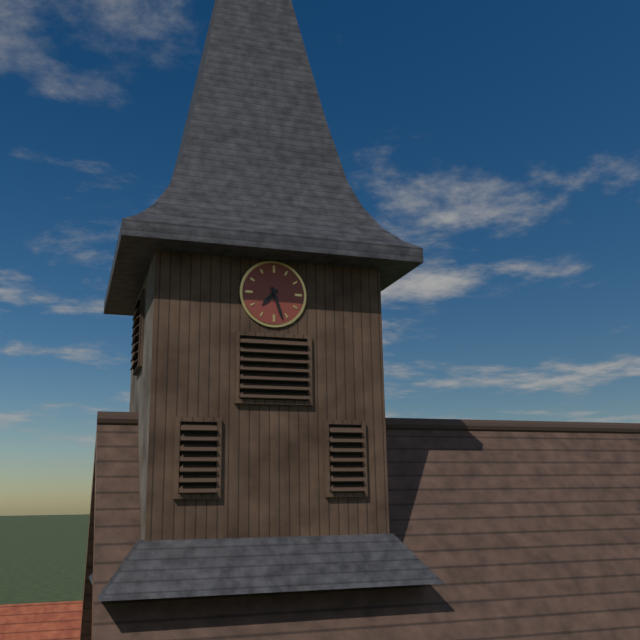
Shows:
7,27
